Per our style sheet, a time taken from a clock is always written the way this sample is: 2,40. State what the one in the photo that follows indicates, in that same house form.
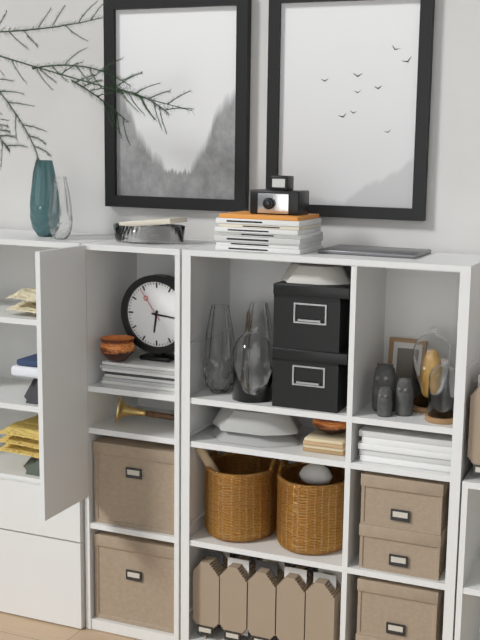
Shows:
6,16
